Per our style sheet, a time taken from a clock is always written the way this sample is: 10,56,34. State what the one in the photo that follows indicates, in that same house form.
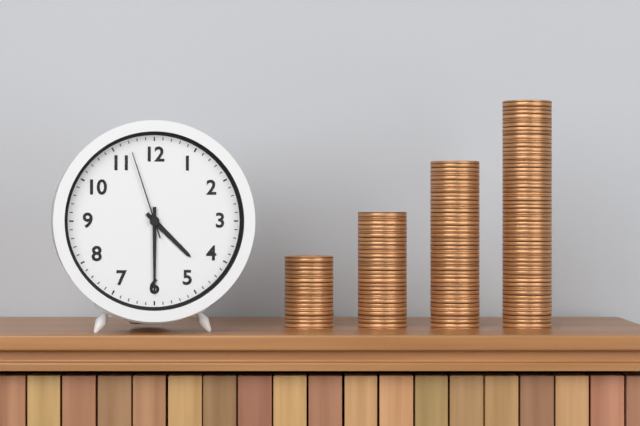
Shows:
4,30,57
